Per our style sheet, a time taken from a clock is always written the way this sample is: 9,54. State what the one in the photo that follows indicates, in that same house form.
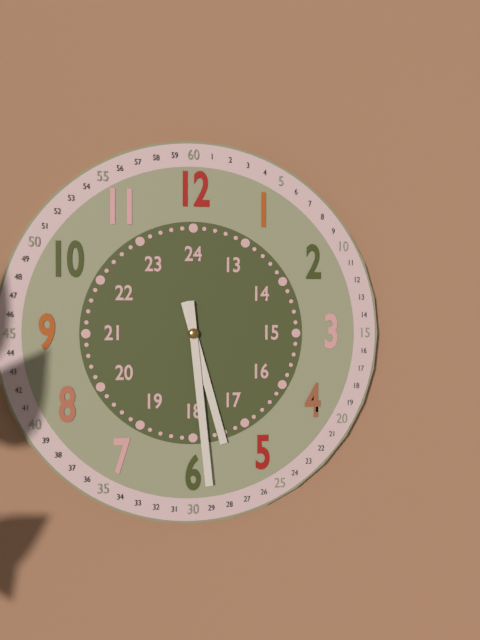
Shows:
5,29
